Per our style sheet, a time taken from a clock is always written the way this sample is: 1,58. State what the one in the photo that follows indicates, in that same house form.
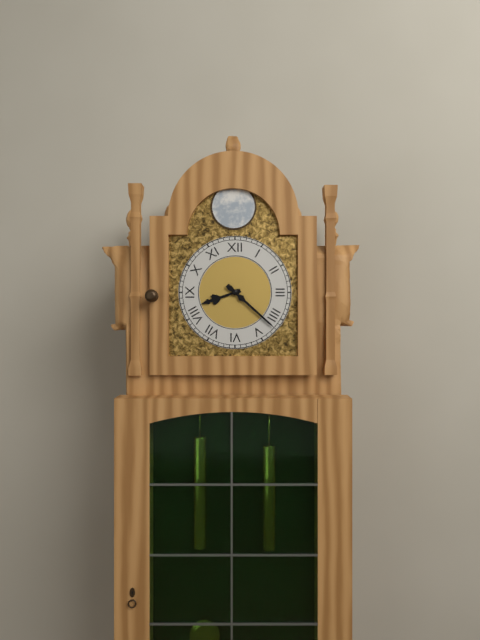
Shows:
8,22
